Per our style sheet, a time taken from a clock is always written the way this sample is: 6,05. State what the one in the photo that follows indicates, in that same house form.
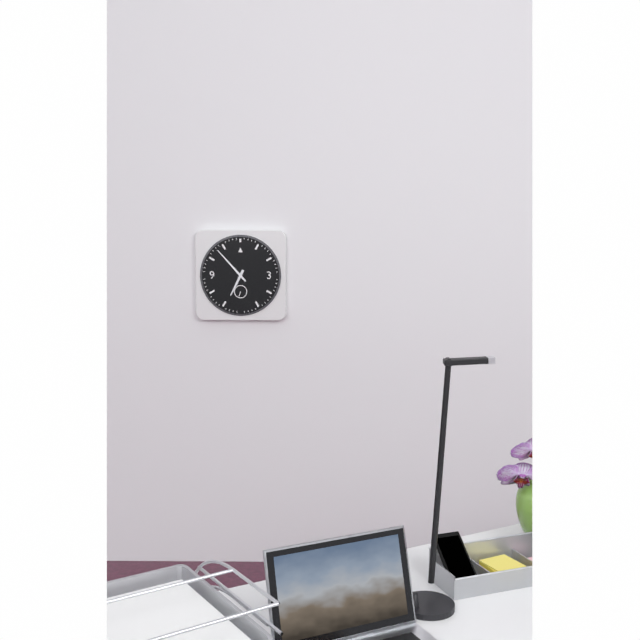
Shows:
6,53
